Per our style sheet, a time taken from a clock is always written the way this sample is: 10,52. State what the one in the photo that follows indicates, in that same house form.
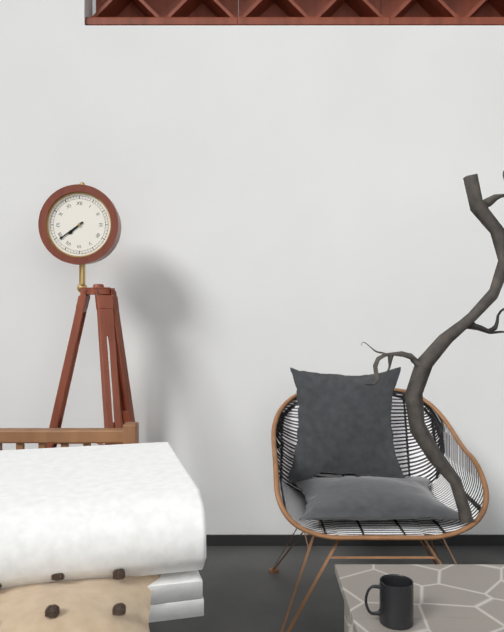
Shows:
7,39
